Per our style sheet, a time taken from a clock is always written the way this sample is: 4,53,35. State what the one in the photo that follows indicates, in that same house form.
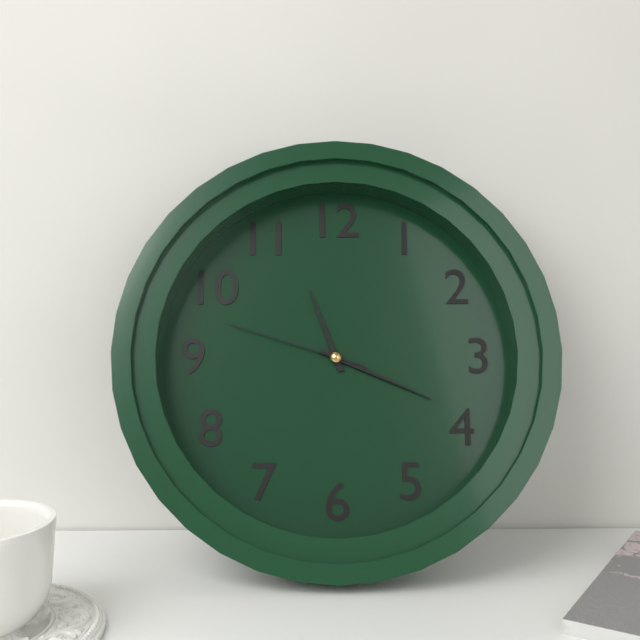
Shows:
11,19,48
